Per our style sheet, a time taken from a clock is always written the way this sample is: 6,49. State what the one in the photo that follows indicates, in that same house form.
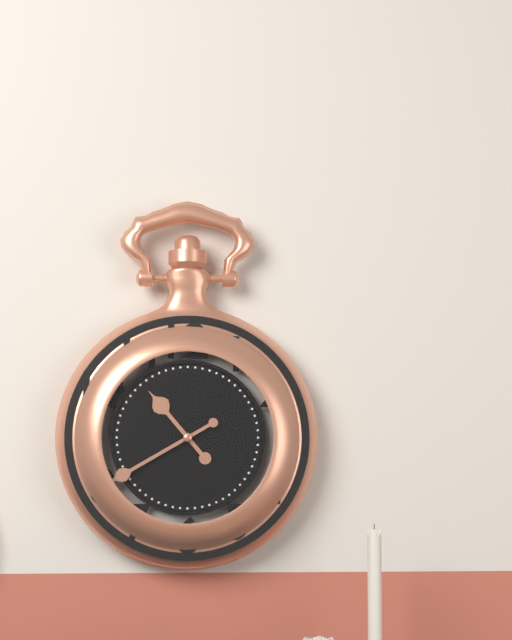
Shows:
10,40
